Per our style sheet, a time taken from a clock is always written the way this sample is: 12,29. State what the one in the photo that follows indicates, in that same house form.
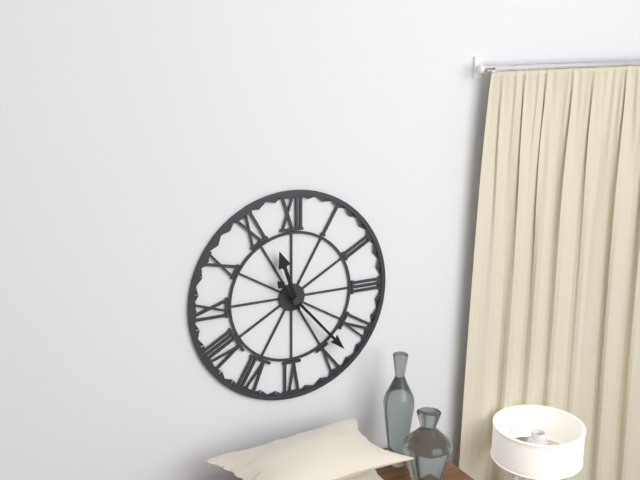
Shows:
11,23
